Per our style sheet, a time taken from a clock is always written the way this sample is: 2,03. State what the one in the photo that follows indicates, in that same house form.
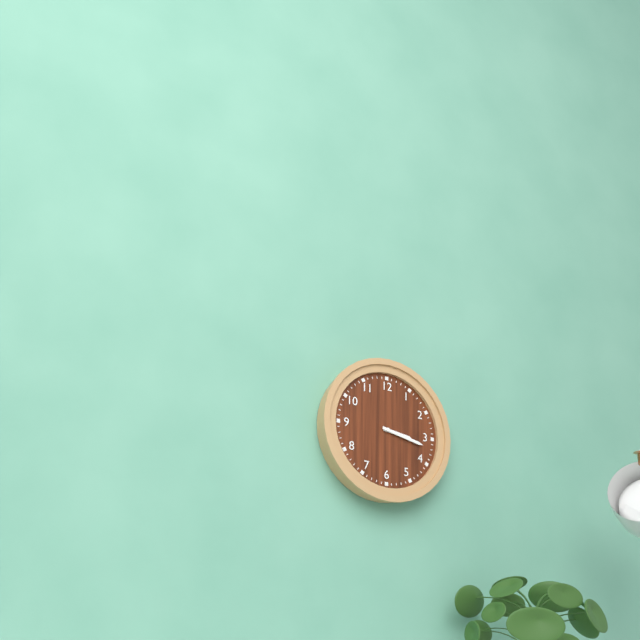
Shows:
3,17
